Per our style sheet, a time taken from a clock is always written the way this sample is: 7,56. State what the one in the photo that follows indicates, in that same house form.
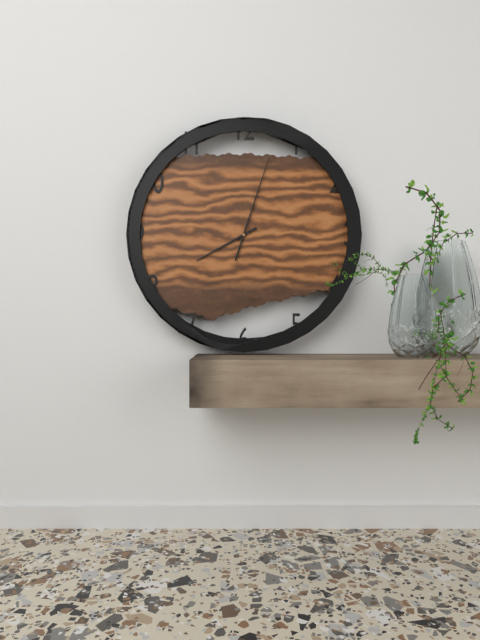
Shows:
8,03
